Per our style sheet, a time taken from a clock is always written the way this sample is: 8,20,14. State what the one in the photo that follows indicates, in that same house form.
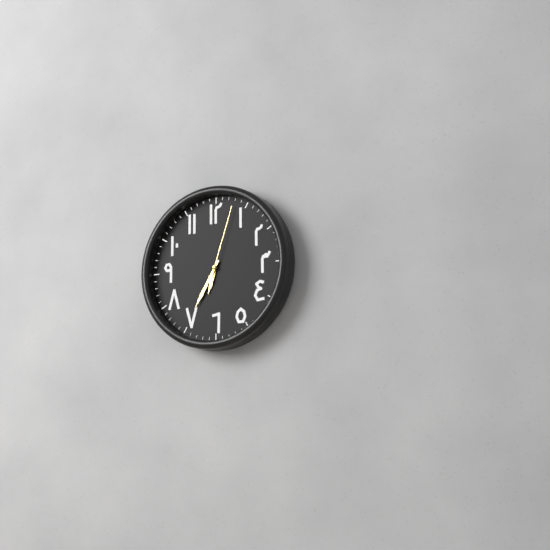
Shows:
6,35,03
